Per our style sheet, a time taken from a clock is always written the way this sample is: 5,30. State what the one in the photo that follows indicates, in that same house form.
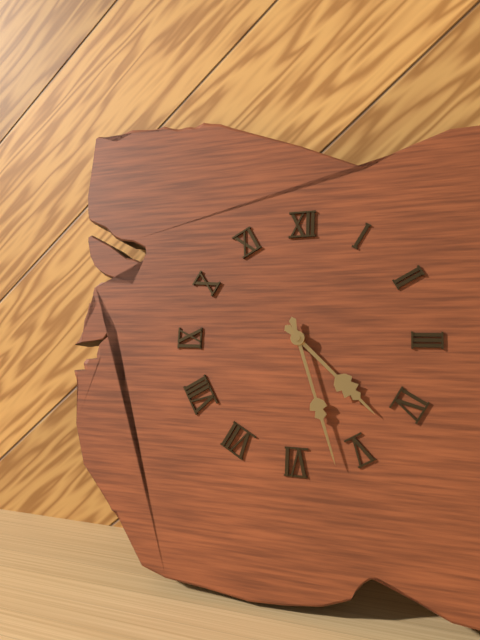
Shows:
4,27
